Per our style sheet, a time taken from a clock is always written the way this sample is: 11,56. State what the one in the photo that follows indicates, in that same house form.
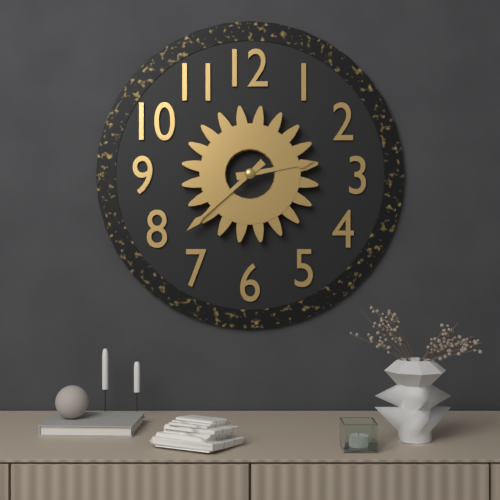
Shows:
2,38
